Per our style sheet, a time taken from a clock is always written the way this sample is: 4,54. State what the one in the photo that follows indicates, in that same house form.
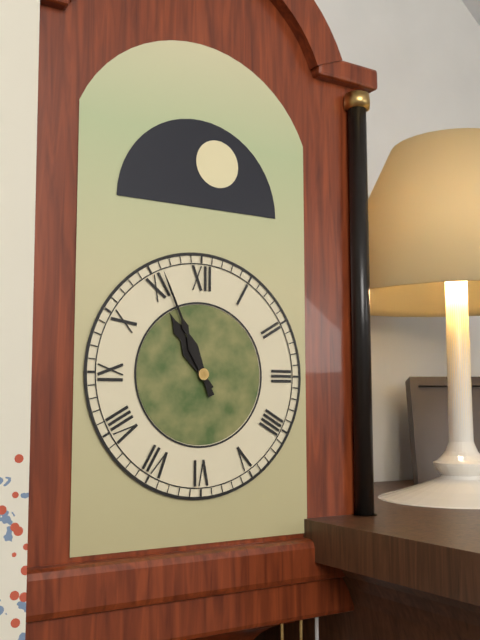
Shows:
10,56
